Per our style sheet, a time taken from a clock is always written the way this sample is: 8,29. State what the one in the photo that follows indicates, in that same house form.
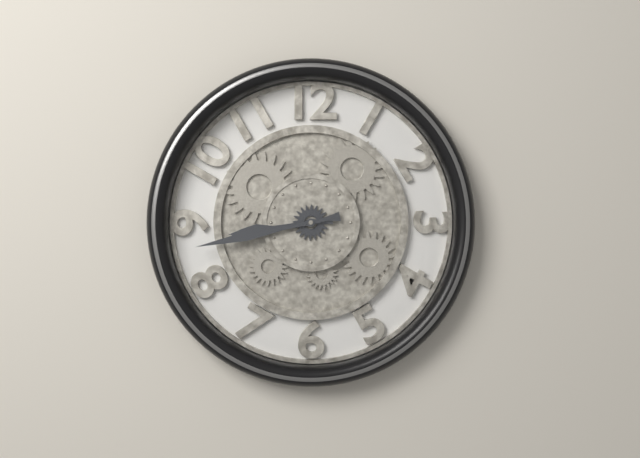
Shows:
8,43
